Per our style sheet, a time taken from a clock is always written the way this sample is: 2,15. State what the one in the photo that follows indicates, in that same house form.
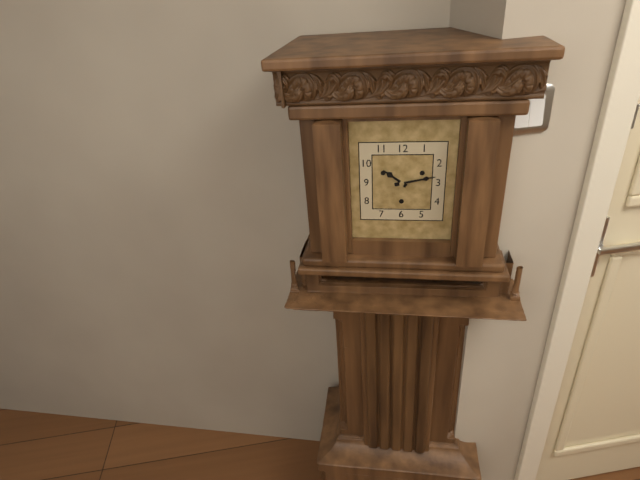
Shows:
10,13
